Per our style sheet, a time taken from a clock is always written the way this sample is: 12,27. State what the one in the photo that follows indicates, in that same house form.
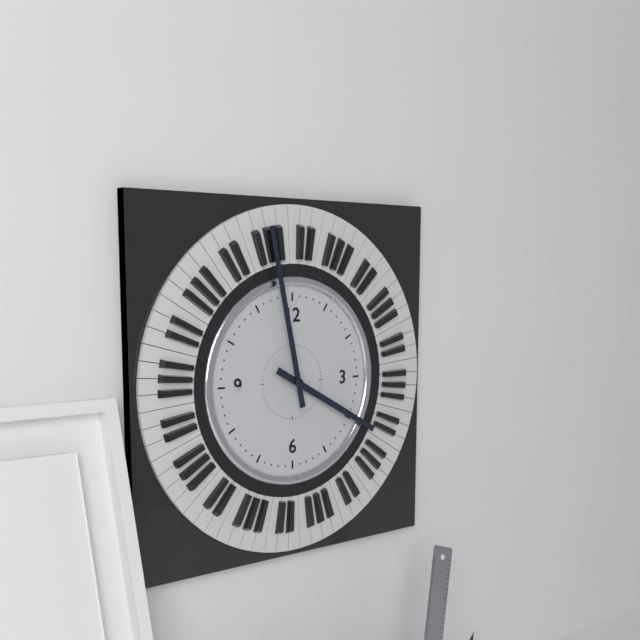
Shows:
3,58
